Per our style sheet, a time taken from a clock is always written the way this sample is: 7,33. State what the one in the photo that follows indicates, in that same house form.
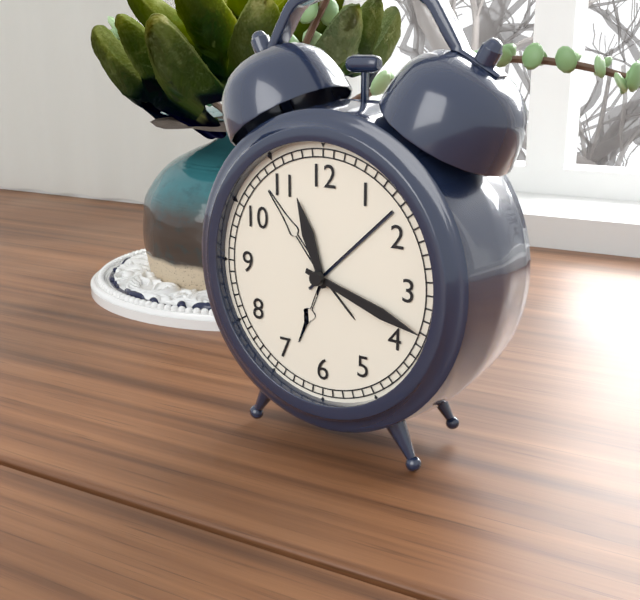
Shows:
11,18
